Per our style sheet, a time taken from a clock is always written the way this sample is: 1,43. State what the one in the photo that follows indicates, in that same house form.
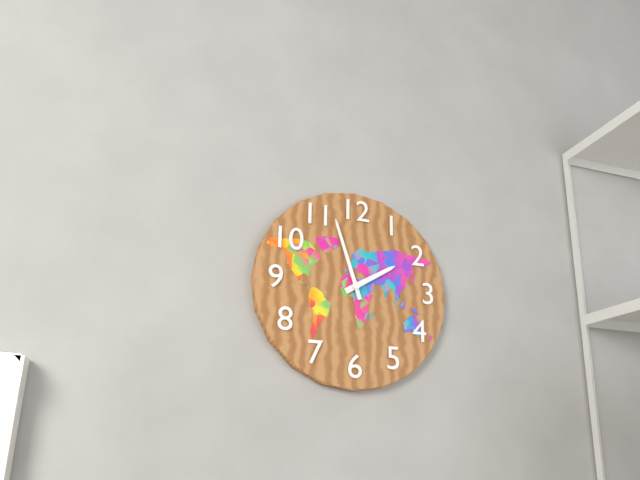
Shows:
1,57
